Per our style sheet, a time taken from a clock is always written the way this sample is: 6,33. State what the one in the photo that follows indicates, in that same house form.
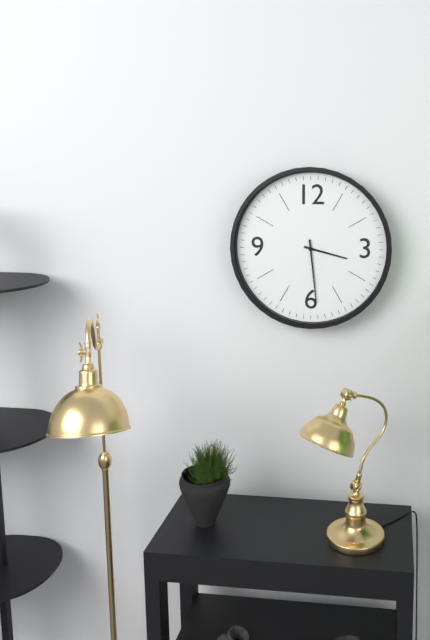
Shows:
3,29
